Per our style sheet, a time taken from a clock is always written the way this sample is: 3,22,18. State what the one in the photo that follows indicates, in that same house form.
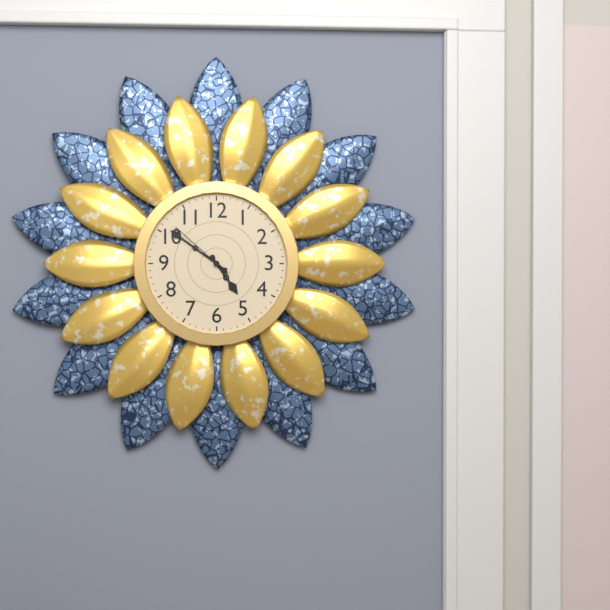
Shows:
4,51,52
